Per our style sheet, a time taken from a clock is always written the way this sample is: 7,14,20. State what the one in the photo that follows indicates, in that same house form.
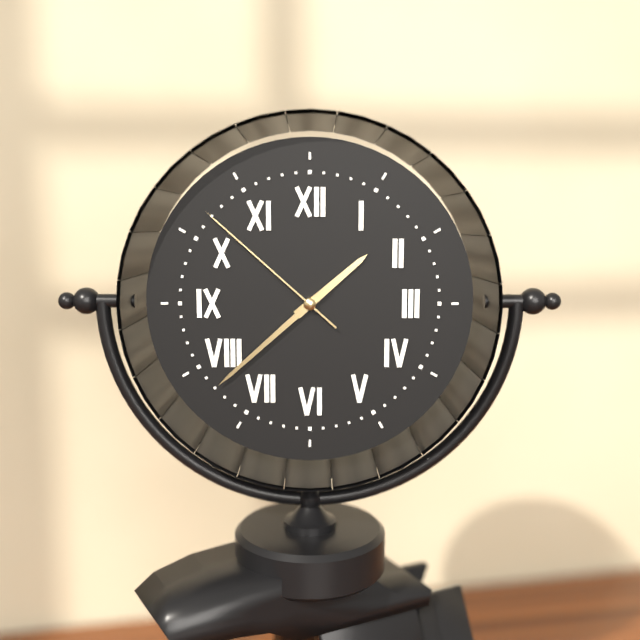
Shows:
1,38,52
